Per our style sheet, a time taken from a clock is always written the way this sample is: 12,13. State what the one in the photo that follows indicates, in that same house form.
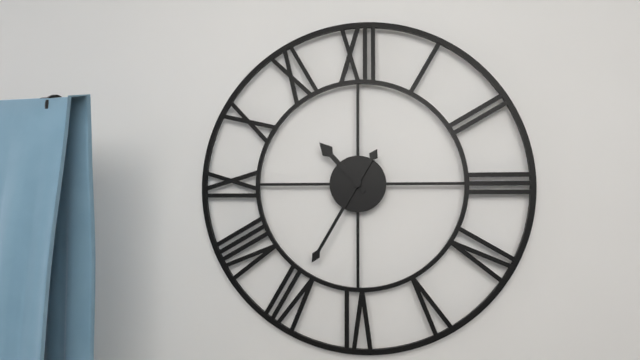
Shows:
10,35
